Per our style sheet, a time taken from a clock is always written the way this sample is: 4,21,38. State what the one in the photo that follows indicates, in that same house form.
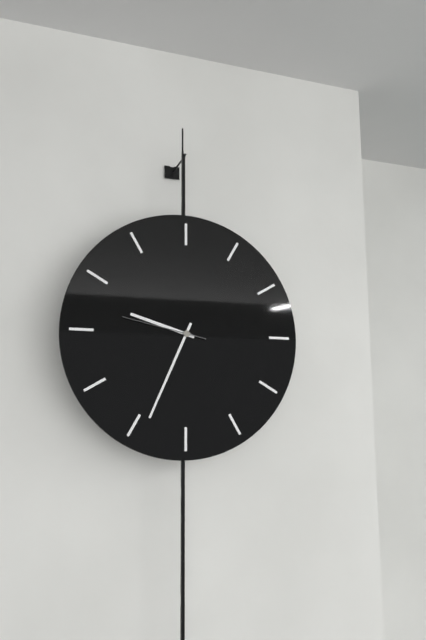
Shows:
9,34,47
